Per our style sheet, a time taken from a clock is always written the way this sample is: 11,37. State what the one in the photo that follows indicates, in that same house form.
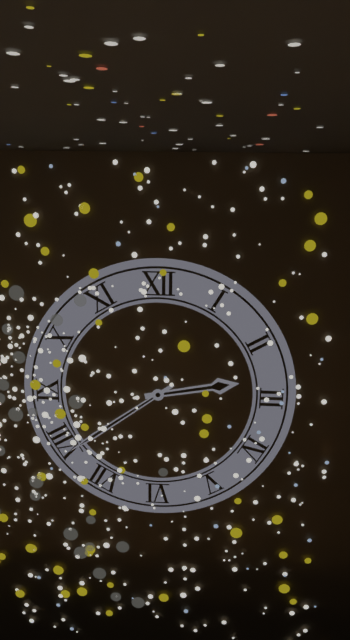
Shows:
2,39
